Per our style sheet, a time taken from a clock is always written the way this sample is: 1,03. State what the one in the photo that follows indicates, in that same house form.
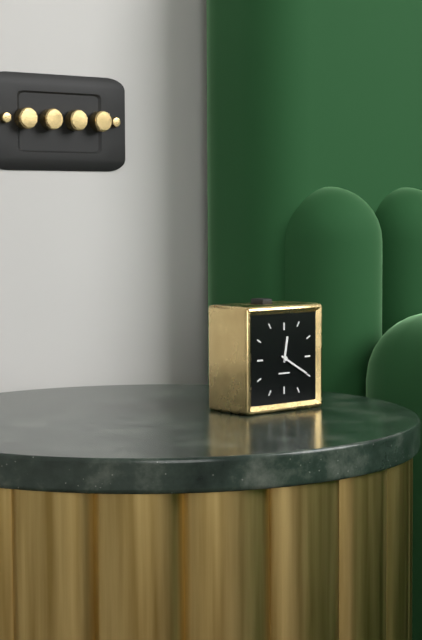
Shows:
12,20
